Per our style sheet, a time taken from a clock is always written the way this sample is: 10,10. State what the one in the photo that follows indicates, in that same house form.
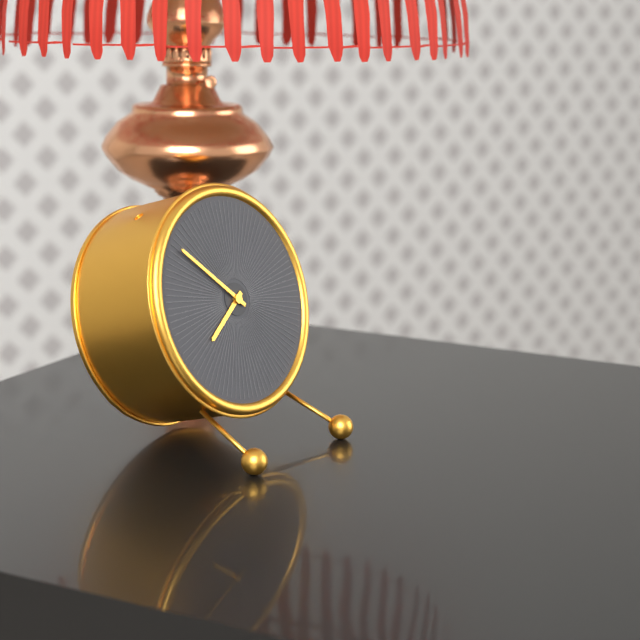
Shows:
7,52
